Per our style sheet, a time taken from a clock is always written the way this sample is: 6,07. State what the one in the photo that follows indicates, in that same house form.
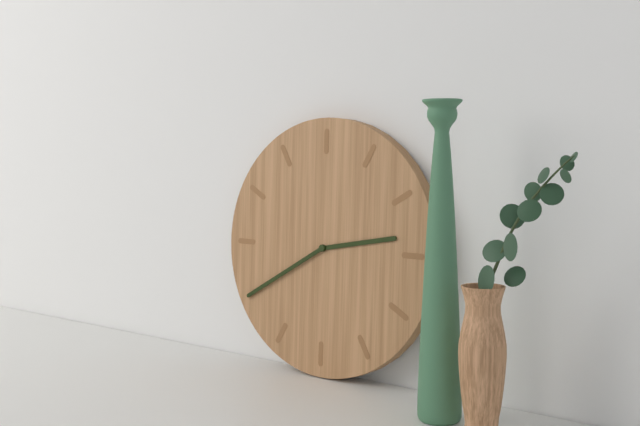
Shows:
2,40
